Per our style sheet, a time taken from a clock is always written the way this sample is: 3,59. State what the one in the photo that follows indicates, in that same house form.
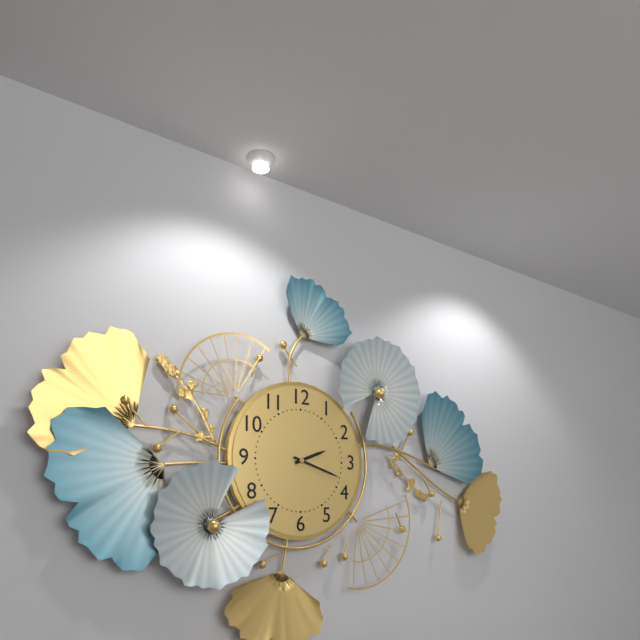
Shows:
2,18
